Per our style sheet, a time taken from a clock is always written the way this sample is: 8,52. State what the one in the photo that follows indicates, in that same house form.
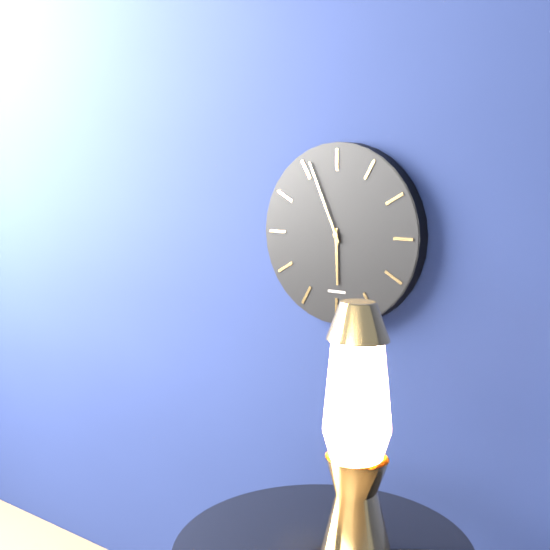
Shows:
5,56
